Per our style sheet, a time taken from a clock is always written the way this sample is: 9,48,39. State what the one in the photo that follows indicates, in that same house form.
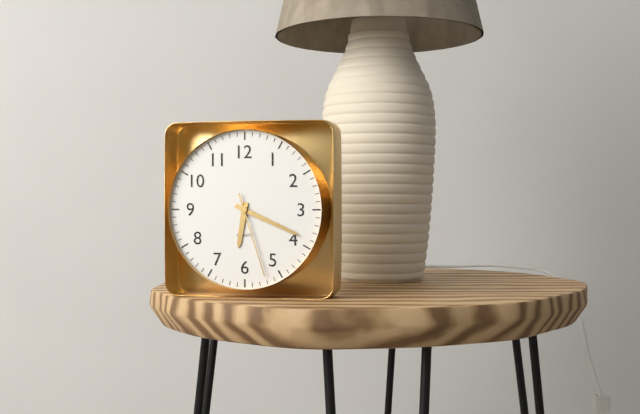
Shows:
6,19,27
